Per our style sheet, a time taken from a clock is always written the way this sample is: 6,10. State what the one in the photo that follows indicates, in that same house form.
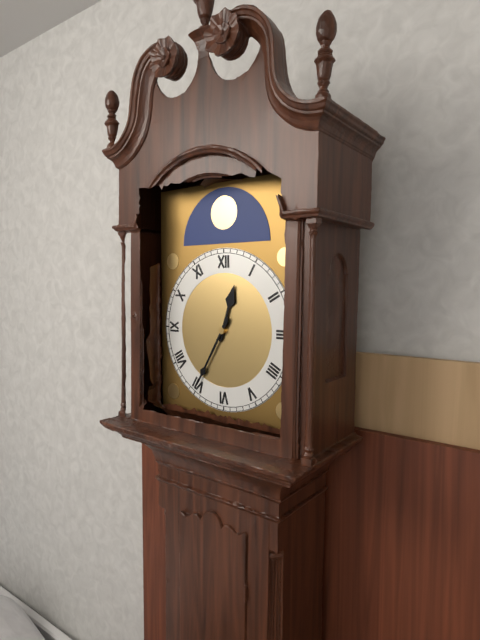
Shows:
12,35
